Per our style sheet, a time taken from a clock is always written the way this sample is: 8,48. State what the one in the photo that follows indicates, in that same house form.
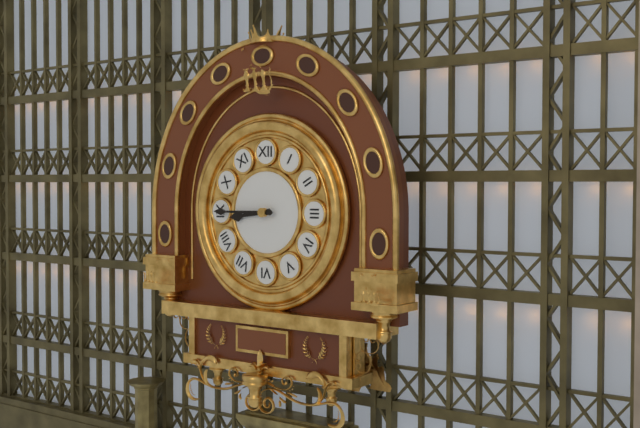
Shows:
8,45
